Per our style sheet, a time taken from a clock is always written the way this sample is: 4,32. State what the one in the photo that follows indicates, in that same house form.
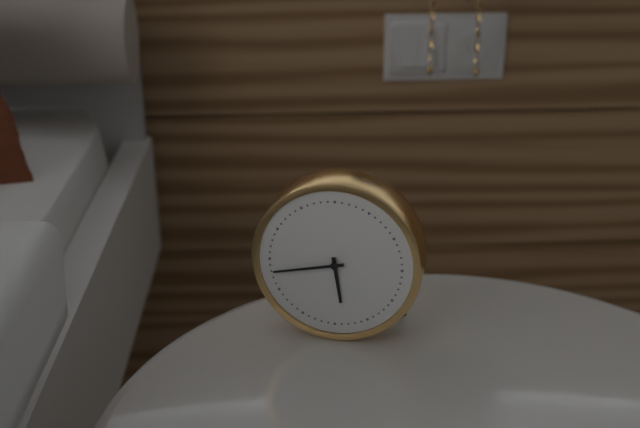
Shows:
5,43
